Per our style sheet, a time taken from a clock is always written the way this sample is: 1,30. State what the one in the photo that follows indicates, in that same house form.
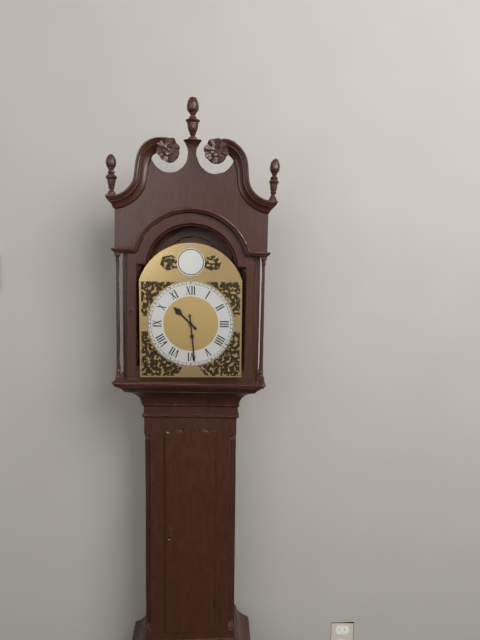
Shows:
10,29
